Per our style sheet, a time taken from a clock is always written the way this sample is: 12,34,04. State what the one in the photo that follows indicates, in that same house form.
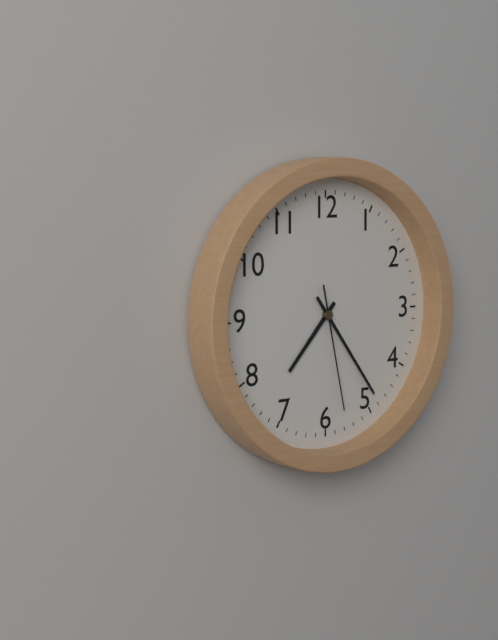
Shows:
7,24,28
